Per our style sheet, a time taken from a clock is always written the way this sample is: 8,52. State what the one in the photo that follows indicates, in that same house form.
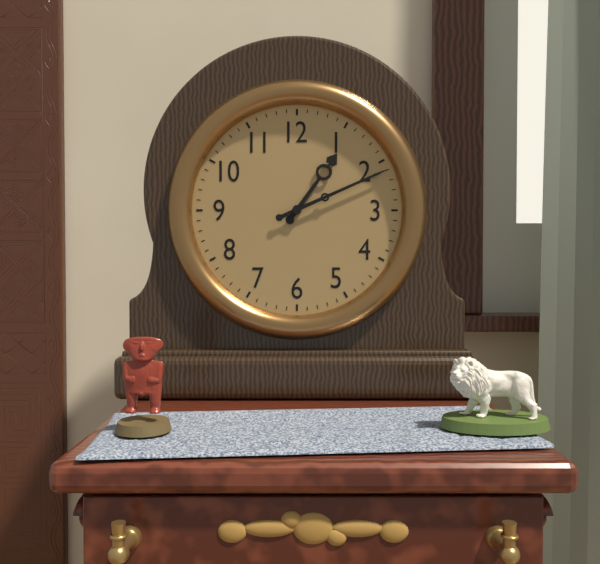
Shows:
1,11
